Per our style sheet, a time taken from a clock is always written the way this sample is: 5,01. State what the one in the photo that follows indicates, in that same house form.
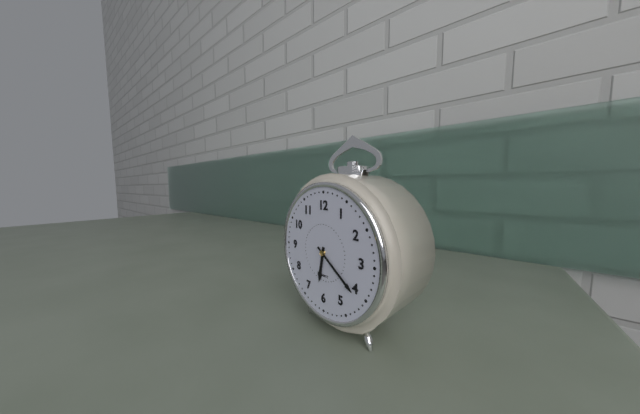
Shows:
6,21
